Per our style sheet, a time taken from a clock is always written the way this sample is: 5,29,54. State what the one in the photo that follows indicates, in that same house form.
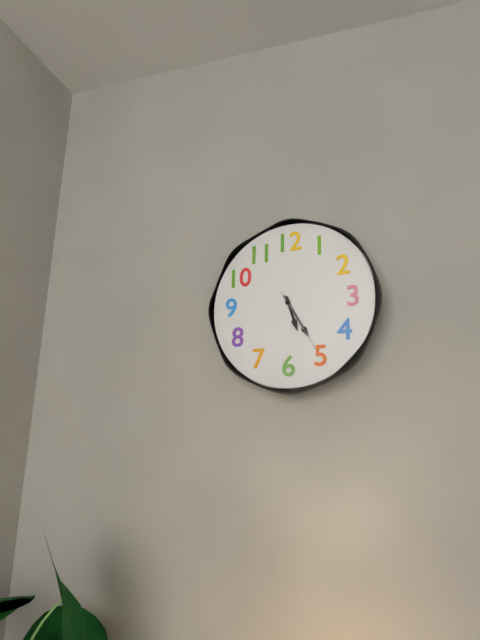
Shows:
5,25,25
